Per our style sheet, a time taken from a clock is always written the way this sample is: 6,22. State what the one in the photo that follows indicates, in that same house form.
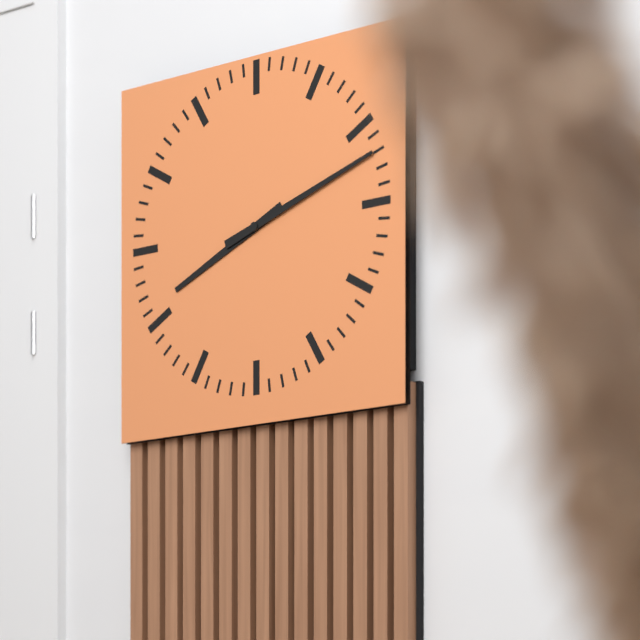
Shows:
8,12
